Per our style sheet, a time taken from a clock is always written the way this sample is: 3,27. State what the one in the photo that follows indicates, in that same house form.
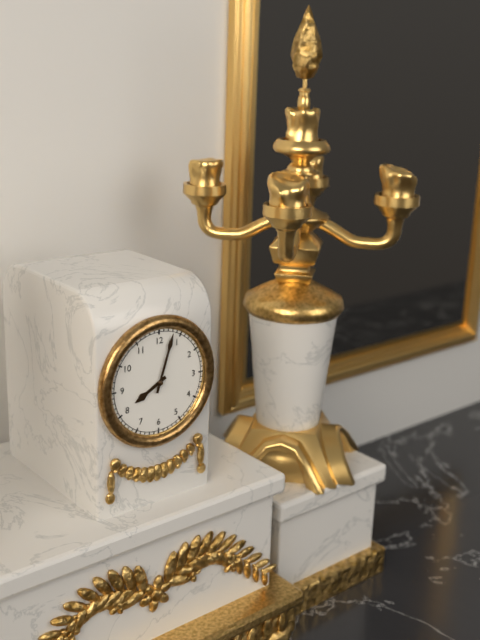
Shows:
8,03
